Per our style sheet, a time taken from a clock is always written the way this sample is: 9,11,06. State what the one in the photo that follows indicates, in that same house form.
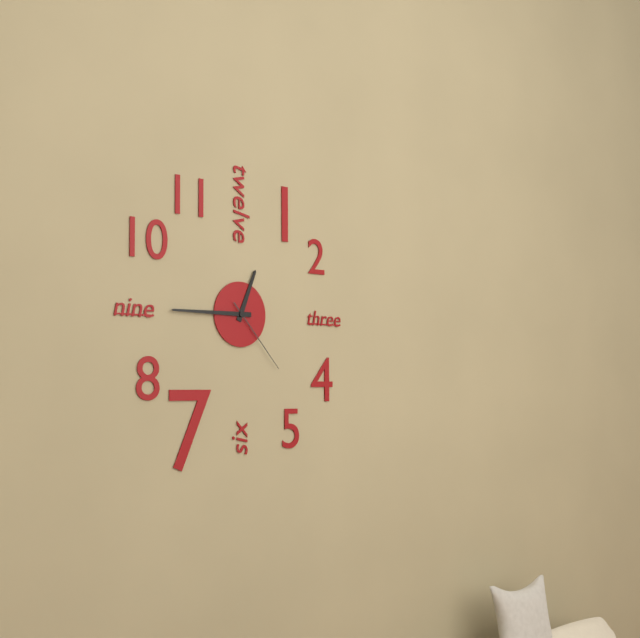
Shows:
12,45,23
